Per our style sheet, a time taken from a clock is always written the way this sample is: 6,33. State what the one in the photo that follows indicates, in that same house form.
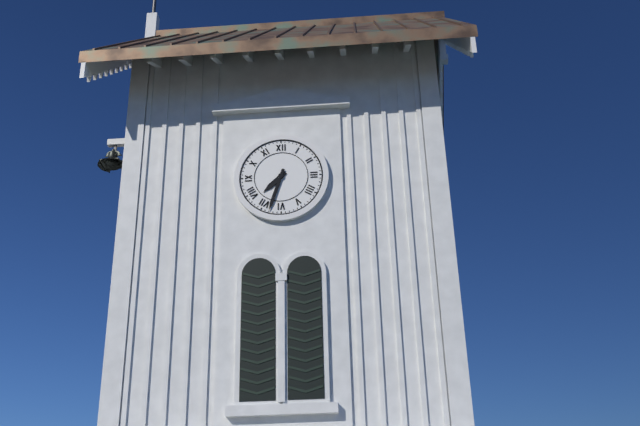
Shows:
7,33
